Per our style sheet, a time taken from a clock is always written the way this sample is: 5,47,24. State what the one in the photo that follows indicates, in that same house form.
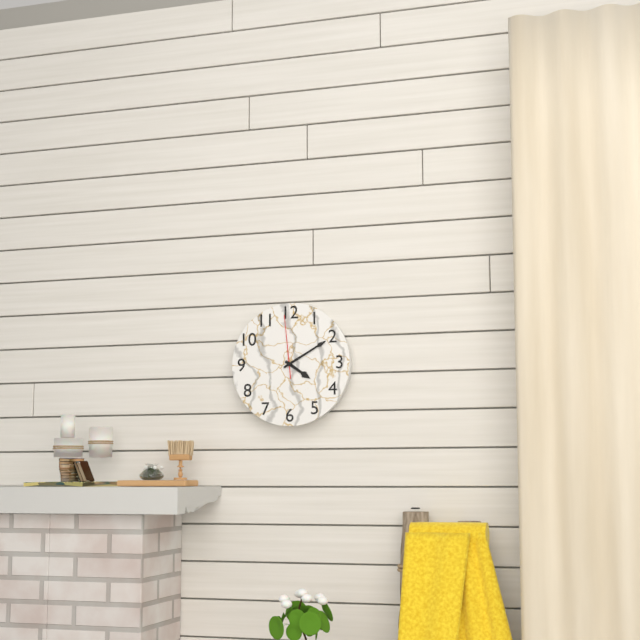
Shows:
4,10,59
